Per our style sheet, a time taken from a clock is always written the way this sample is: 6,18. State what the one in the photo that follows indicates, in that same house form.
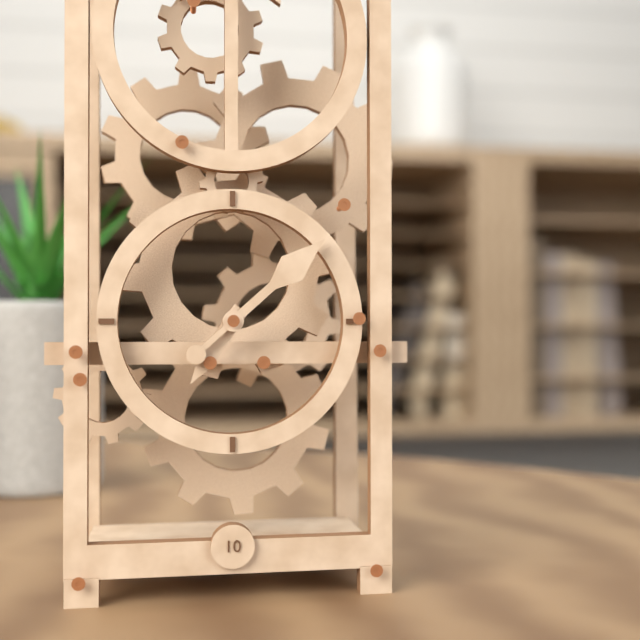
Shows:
7,08
